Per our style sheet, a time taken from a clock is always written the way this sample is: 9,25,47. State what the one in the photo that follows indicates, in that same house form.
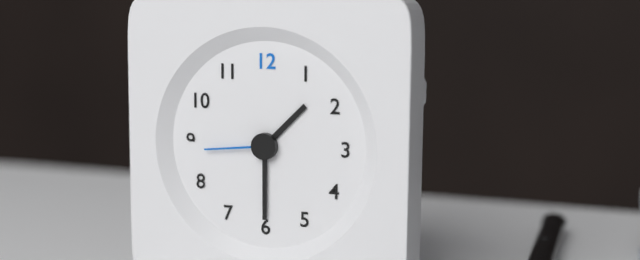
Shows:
1,30,44
